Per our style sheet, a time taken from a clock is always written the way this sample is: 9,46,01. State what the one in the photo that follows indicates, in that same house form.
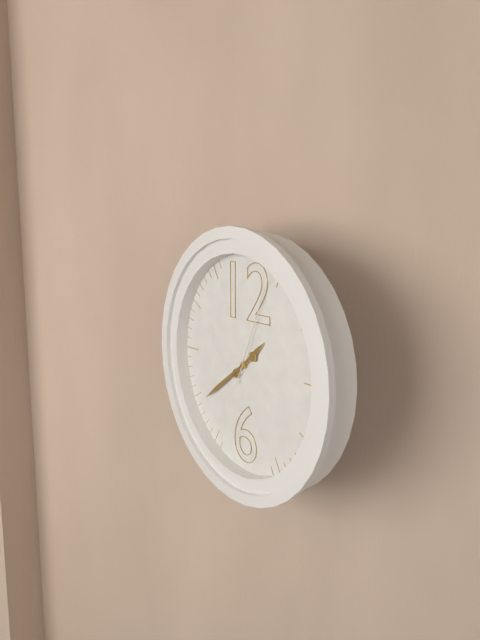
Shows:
1,39,04
